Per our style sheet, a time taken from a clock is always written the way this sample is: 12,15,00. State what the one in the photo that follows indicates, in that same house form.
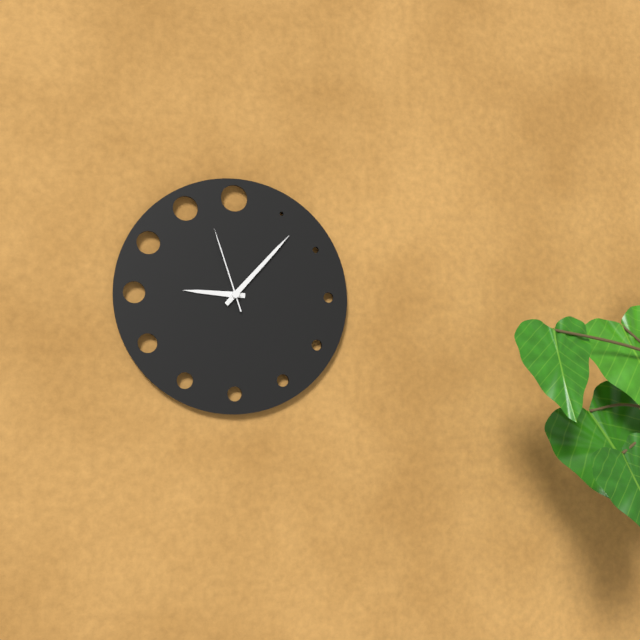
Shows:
9,07,57
